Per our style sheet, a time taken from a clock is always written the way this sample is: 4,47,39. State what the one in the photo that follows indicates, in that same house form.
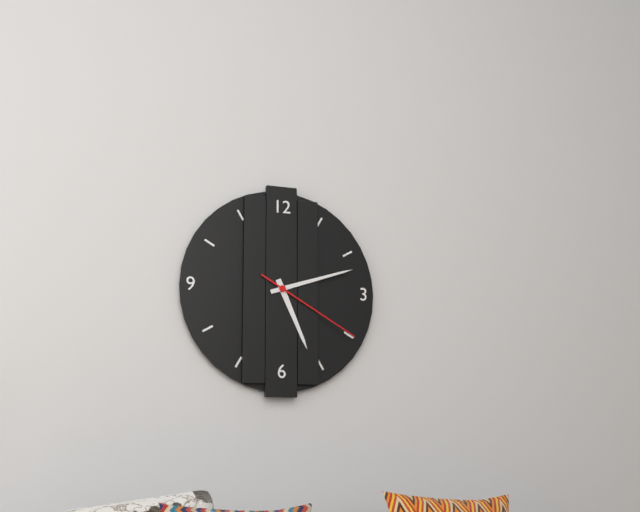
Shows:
5,12,20
